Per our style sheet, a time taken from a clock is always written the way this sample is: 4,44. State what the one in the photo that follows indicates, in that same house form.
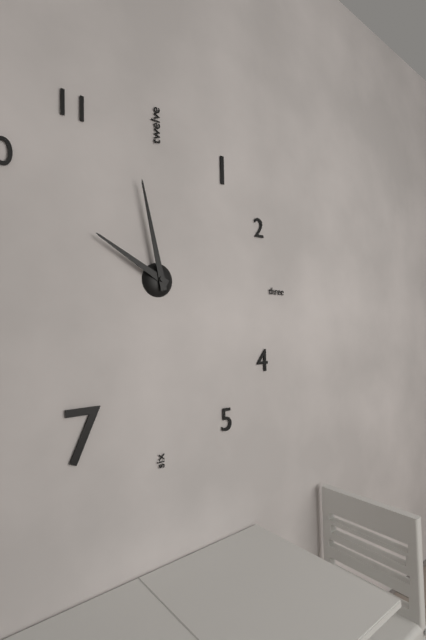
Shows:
9,58
